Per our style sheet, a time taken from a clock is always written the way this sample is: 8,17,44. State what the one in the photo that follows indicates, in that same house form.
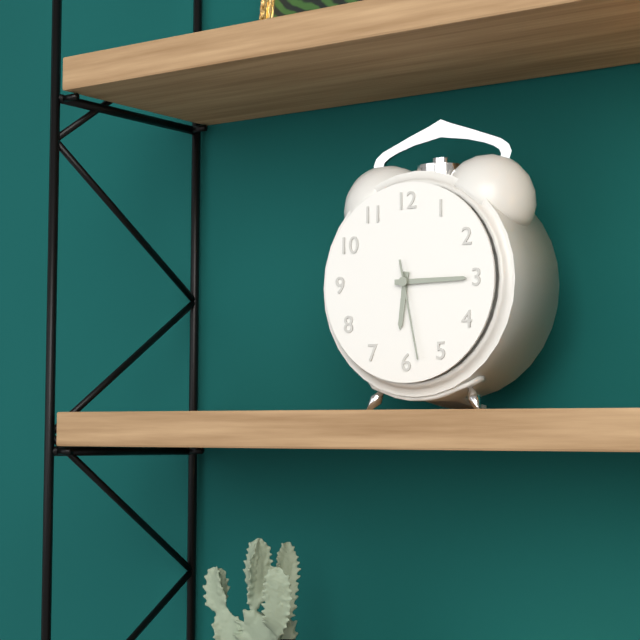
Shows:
6,15,28
